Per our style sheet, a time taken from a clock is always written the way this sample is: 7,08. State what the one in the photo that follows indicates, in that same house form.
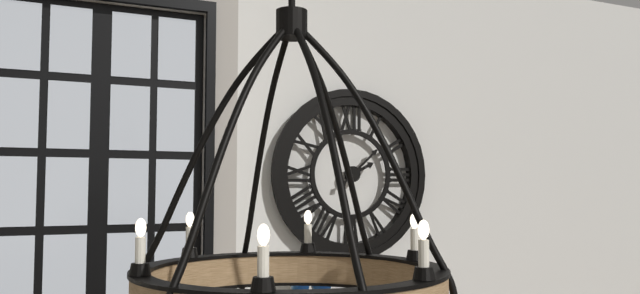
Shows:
2,08
